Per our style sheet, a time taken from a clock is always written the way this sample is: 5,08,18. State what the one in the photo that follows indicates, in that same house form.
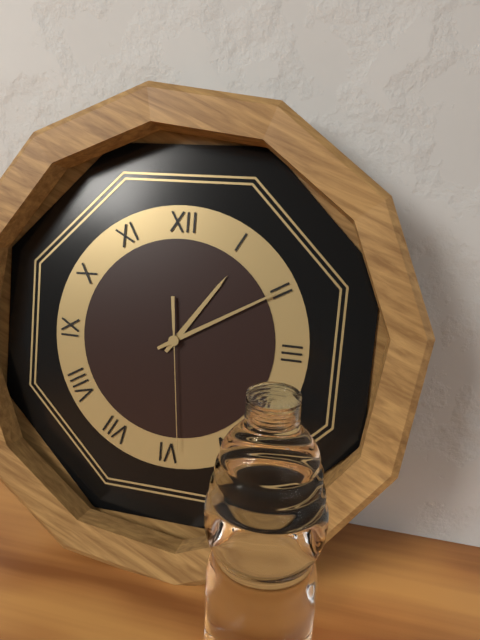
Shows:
1,10,29
